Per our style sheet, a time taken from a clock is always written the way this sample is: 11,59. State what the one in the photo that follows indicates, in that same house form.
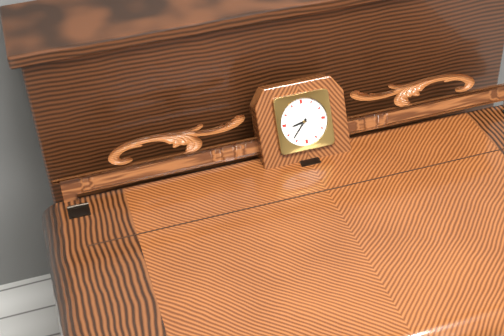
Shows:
8,37
